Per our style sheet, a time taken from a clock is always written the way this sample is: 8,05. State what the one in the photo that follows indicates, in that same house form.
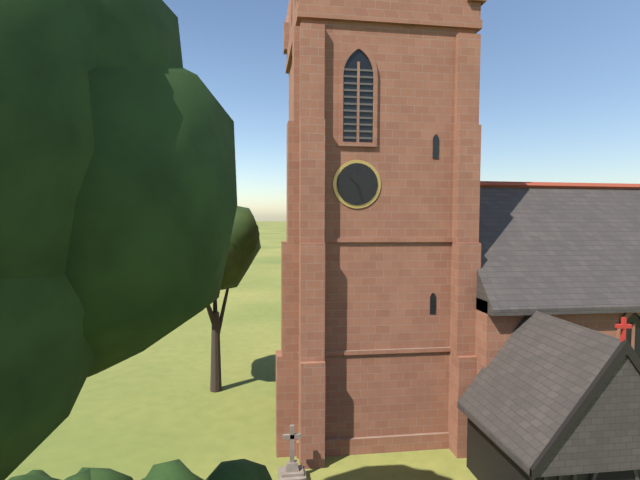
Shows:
10,27
